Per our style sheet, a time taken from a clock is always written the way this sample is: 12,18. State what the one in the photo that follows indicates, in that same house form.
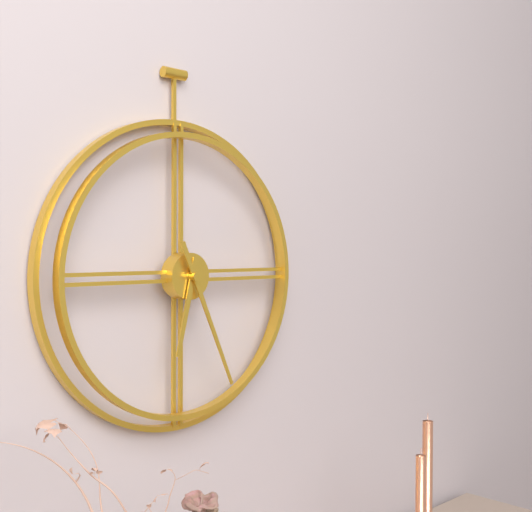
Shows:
6,26
